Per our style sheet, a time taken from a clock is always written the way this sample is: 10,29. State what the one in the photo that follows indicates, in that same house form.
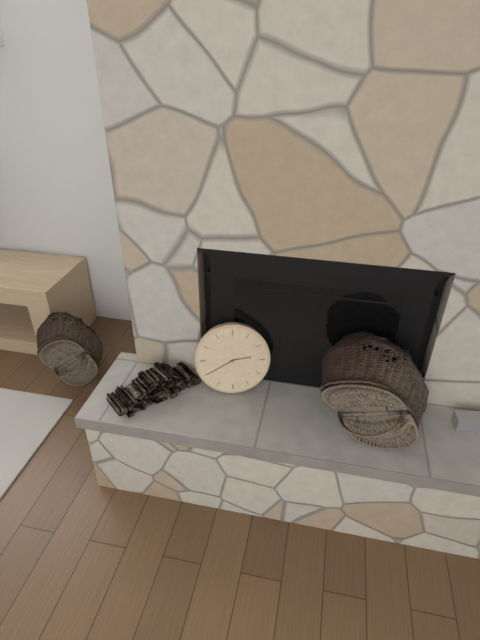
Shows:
2,40
